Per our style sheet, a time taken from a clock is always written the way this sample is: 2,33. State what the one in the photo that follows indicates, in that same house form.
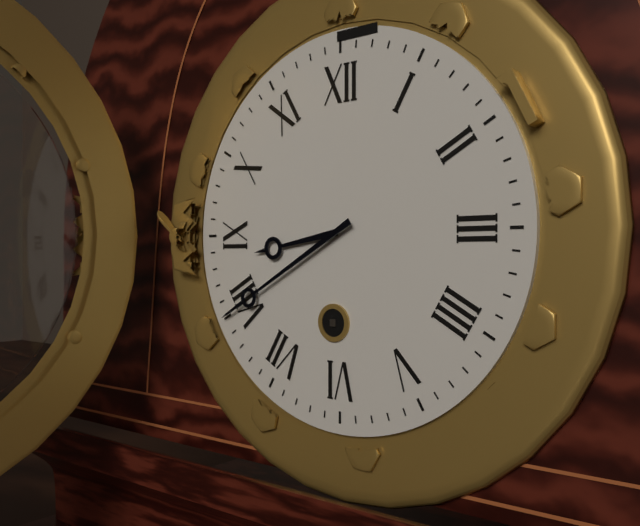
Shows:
8,40
